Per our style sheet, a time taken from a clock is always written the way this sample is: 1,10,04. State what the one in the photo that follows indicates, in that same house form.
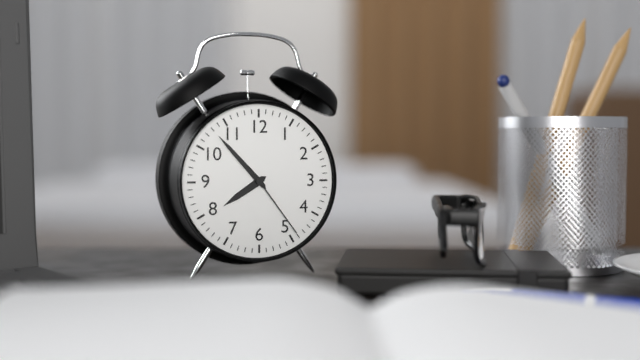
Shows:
7,53,24
